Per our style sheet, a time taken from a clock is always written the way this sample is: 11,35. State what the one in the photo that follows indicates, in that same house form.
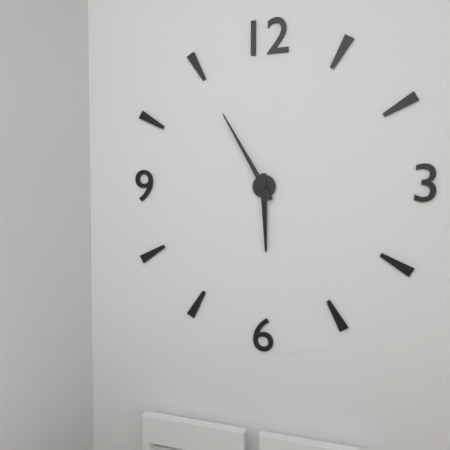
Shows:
5,55
